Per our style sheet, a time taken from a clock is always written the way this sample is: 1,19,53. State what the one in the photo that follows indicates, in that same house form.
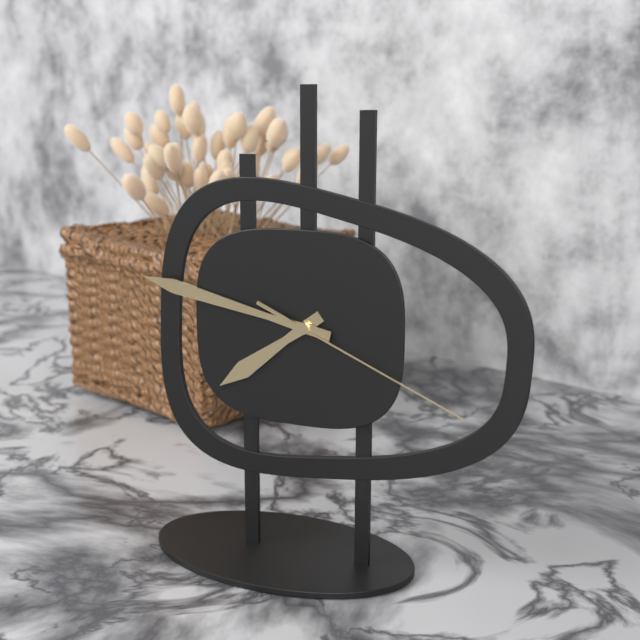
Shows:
7,47,19
